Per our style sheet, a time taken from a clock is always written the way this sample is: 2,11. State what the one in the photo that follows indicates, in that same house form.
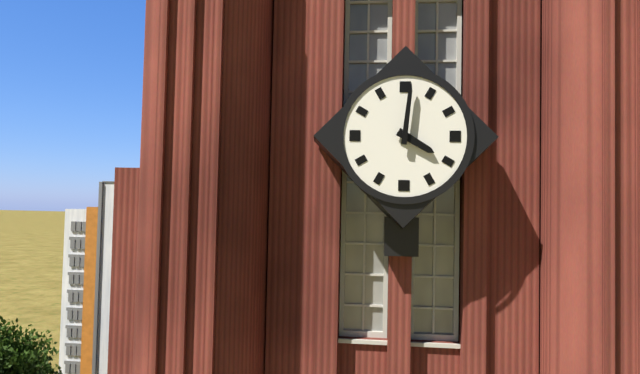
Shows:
4,01
